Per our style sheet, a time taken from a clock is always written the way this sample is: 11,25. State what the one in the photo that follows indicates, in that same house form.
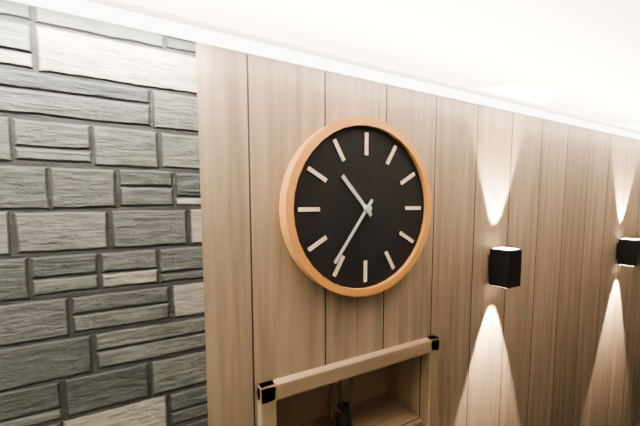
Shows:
10,36
